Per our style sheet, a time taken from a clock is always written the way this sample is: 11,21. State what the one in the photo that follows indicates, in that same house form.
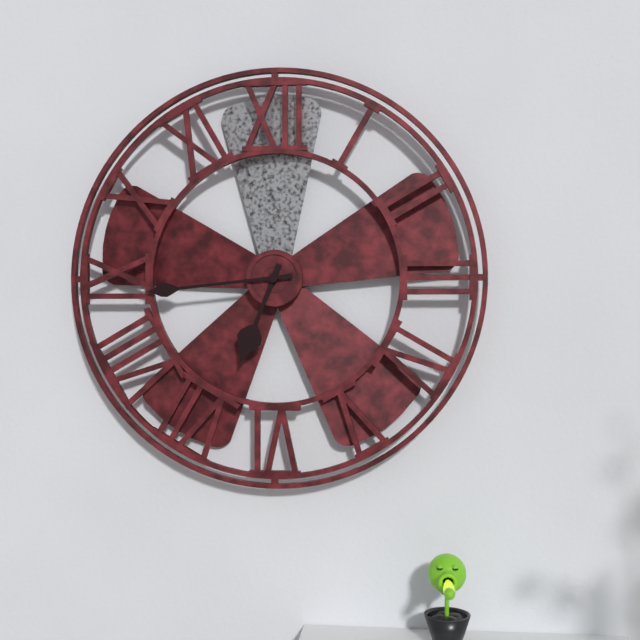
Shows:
6,44
